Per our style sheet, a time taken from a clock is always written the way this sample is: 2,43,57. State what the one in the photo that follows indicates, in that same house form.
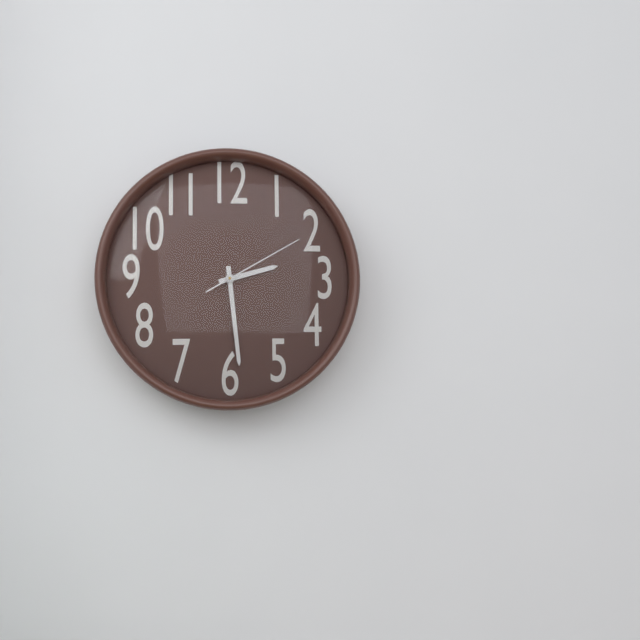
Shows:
2,29,10
